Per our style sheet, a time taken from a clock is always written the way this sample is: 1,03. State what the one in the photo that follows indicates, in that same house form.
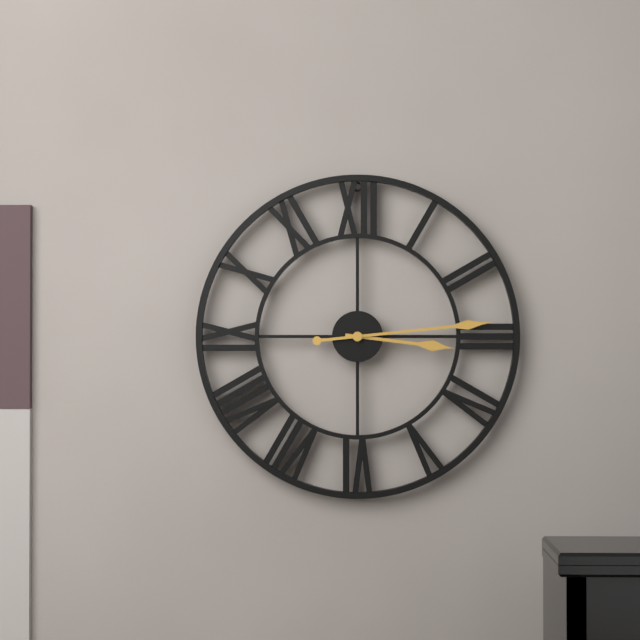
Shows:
3,14
